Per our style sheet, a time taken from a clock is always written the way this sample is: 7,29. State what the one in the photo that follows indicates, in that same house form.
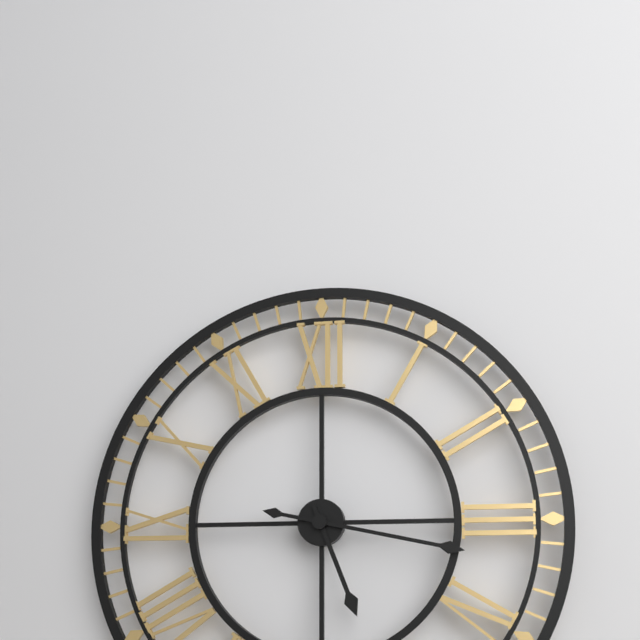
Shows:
5,17
